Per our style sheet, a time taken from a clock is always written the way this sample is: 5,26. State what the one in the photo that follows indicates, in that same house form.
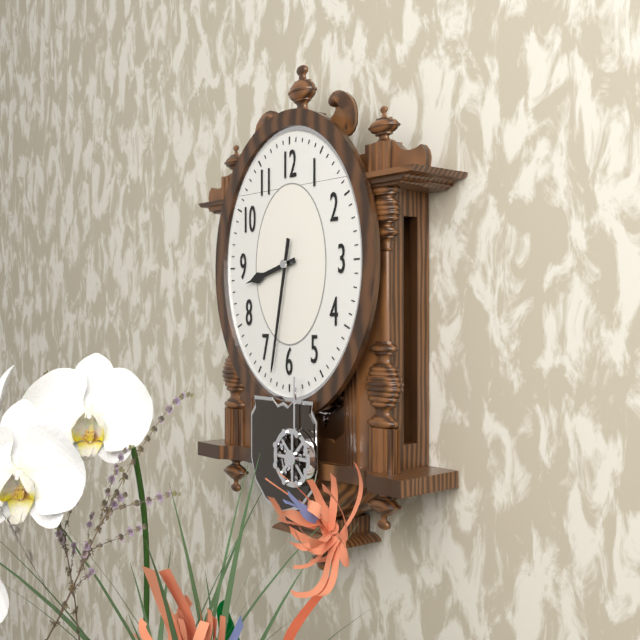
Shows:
8,32
